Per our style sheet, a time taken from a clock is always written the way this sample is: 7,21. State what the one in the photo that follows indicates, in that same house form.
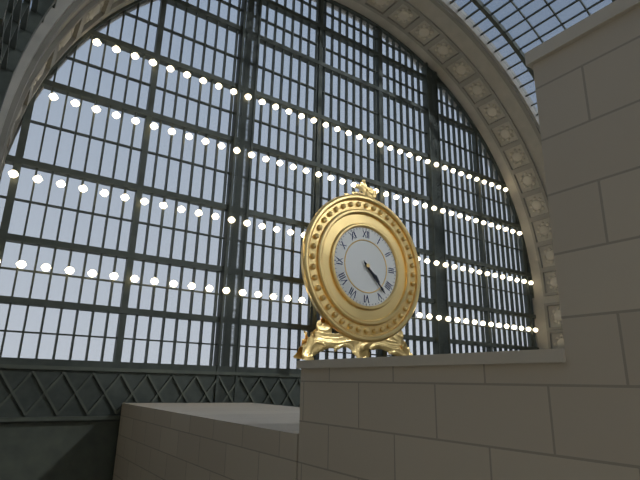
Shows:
4,23
